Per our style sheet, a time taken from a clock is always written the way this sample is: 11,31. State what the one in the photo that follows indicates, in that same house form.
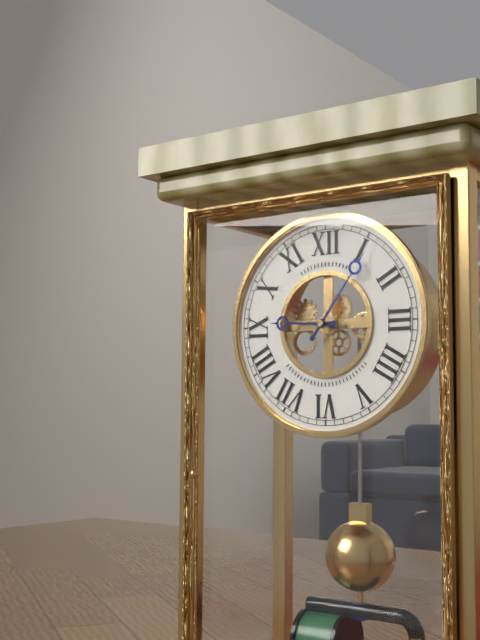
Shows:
9,06
